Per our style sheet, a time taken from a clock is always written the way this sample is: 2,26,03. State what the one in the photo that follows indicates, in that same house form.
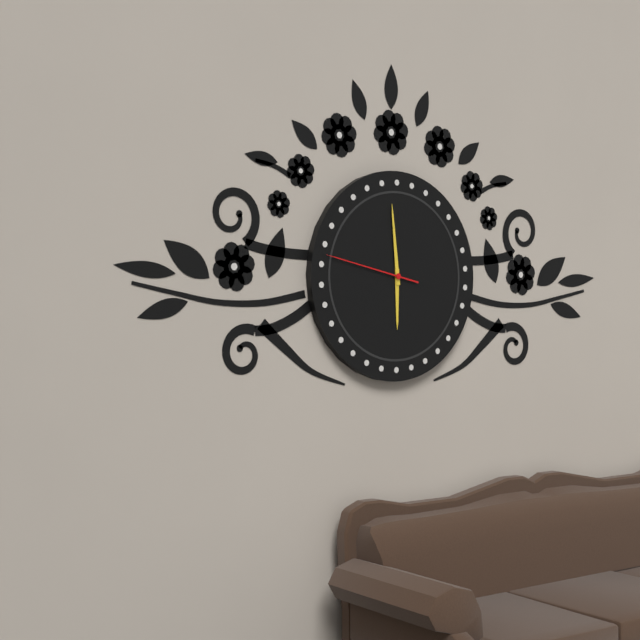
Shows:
5,59,47
